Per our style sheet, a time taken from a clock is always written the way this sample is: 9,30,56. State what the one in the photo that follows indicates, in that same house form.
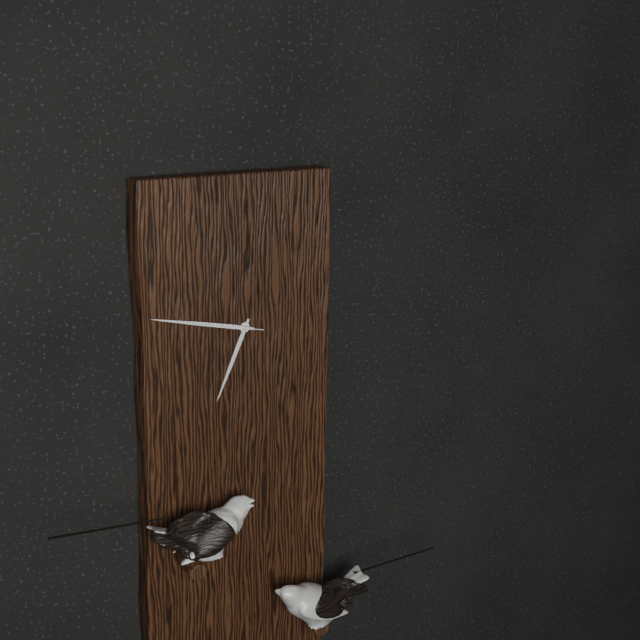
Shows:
6,47,47
